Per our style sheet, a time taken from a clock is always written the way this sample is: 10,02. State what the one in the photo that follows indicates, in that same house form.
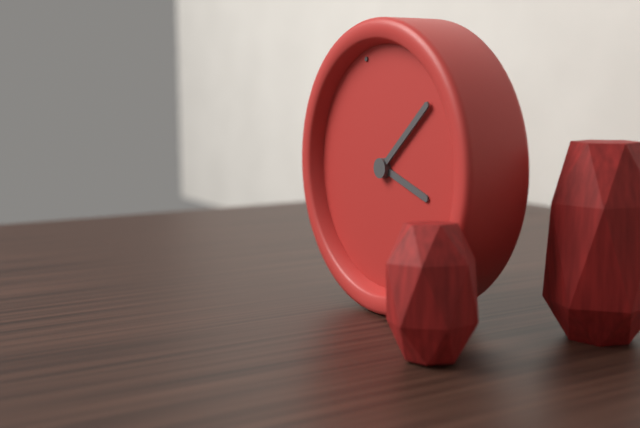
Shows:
4,11
